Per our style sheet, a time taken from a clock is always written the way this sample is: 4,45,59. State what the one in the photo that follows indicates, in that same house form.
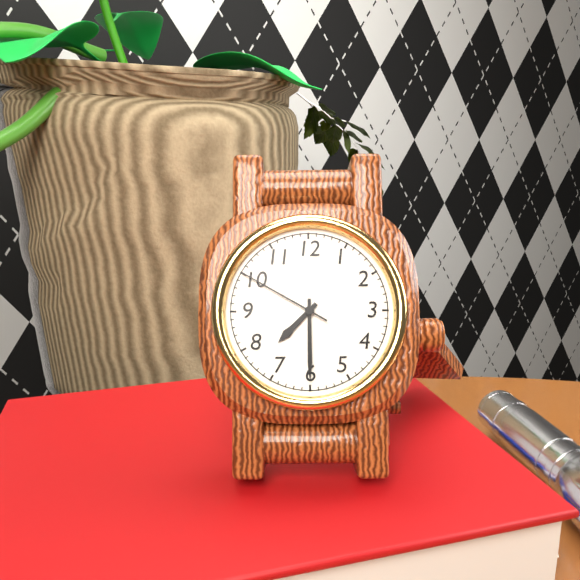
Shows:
7,30,50
